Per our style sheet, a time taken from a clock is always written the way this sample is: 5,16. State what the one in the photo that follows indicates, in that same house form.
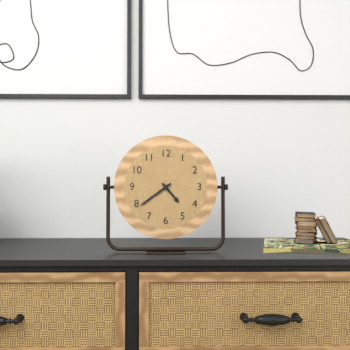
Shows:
4,39
